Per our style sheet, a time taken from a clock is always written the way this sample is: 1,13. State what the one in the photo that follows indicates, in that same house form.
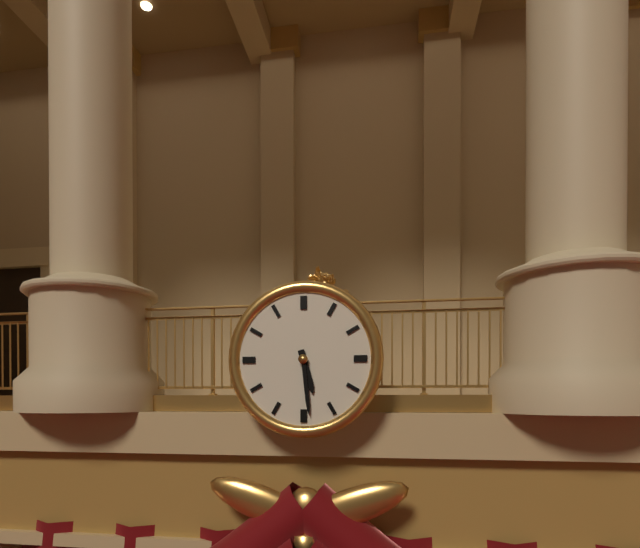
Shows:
5,29
